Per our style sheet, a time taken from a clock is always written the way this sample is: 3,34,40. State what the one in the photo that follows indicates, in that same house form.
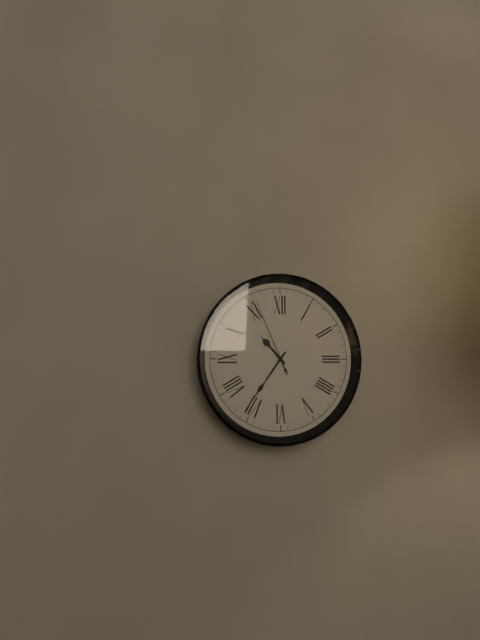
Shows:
10,36,56
